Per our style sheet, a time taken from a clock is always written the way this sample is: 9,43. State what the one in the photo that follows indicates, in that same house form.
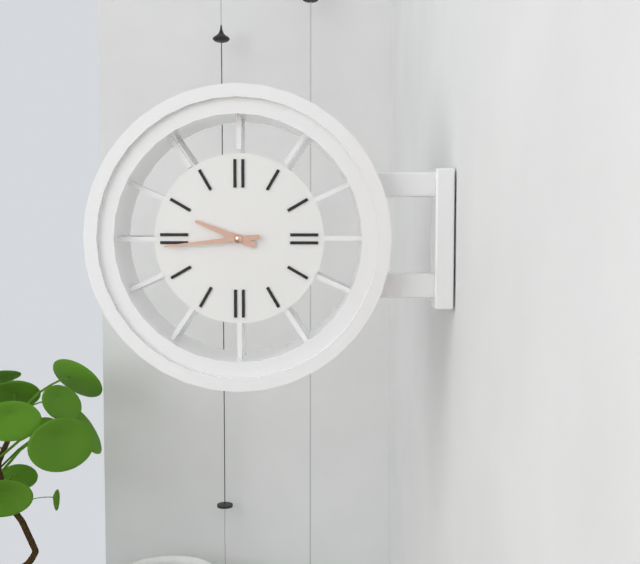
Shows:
9,44
